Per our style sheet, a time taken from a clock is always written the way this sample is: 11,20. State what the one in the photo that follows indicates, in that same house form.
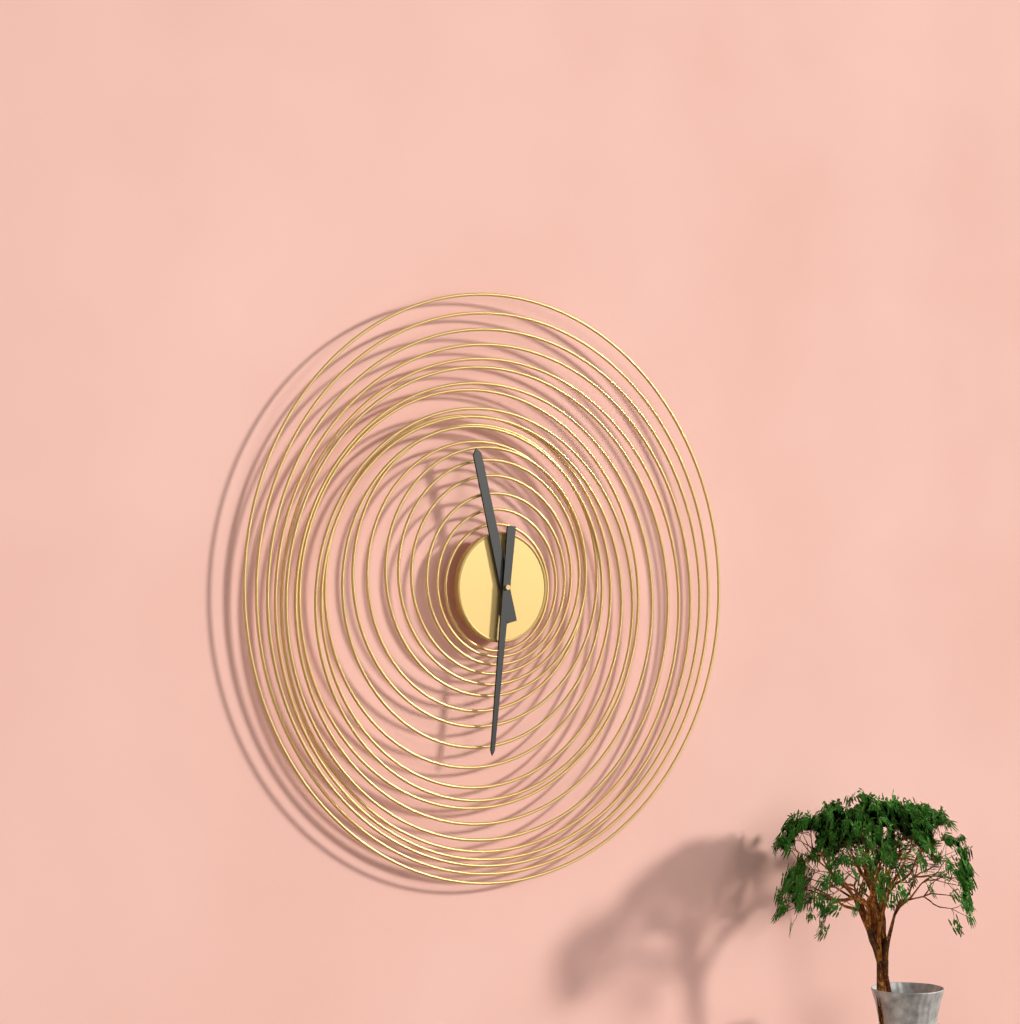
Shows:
11,31
